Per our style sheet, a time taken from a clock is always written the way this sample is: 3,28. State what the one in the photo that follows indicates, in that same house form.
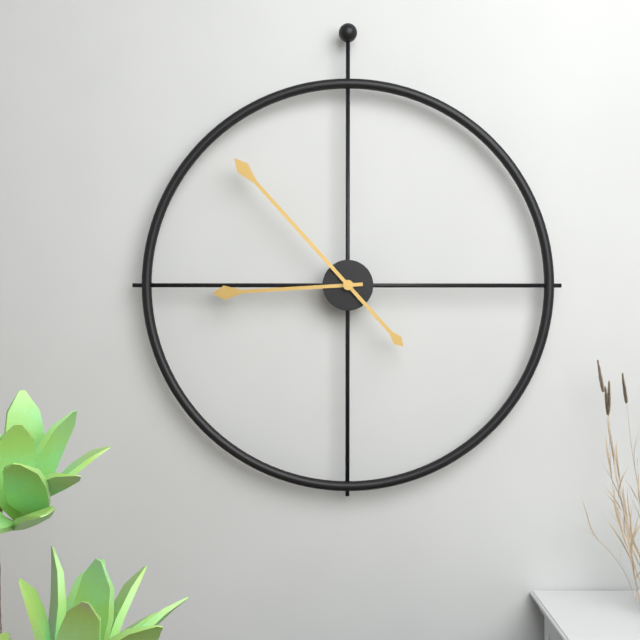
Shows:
8,53
